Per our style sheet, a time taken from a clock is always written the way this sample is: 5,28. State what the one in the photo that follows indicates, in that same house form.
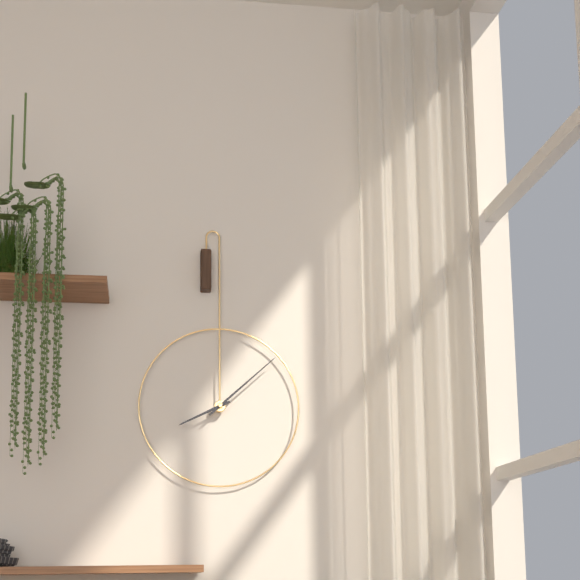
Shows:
8,08
